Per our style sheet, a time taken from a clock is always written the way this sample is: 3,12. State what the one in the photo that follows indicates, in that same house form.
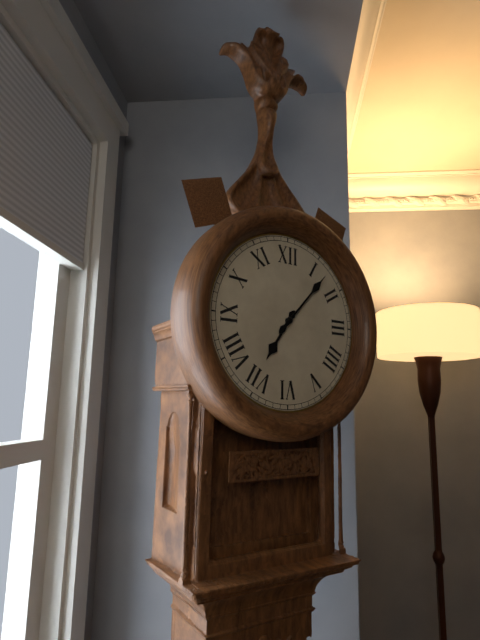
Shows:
7,07
